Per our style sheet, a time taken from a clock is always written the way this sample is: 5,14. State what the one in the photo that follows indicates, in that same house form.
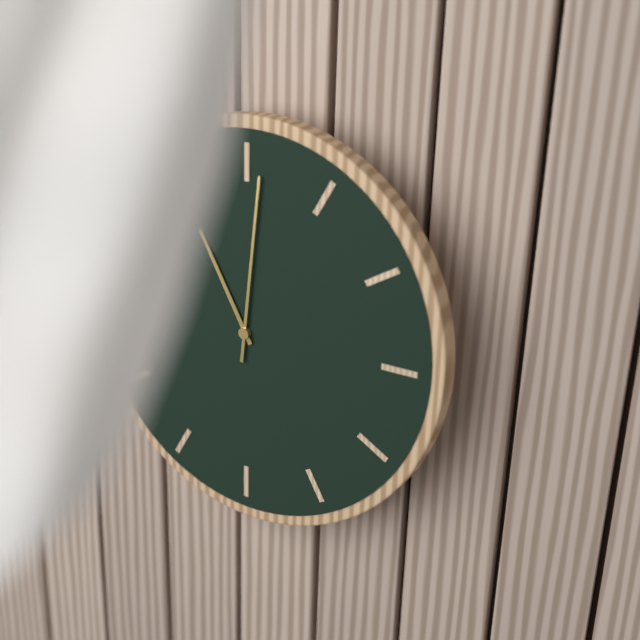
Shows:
11,01
